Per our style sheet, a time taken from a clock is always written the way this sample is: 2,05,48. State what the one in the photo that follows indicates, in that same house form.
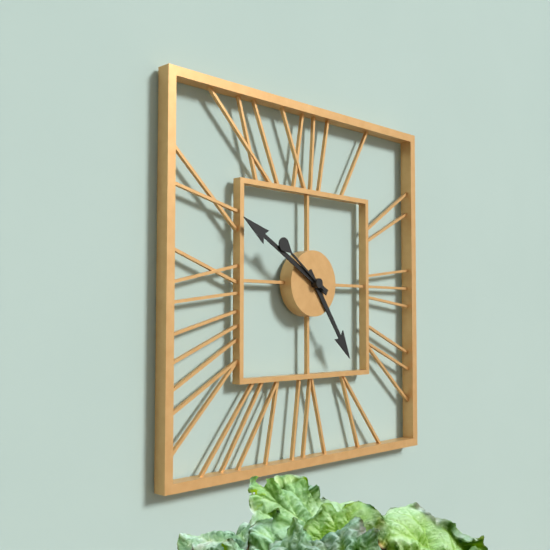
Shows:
4,50,51
